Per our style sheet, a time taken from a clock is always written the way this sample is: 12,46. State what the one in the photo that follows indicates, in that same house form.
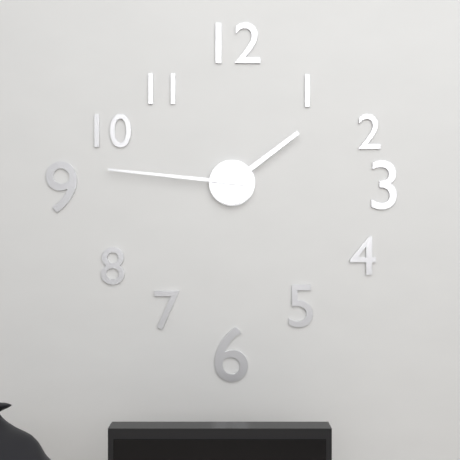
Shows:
1,46
